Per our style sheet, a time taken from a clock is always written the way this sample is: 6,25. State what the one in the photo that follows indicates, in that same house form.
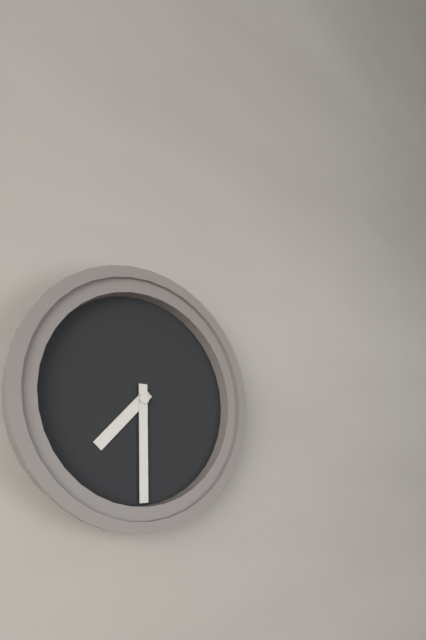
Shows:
7,30
